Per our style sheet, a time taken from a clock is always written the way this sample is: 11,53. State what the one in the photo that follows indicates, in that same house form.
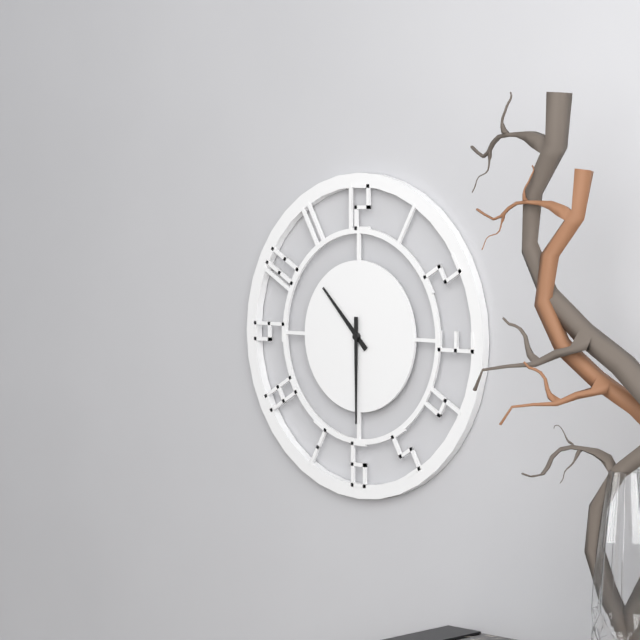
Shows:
10,30
